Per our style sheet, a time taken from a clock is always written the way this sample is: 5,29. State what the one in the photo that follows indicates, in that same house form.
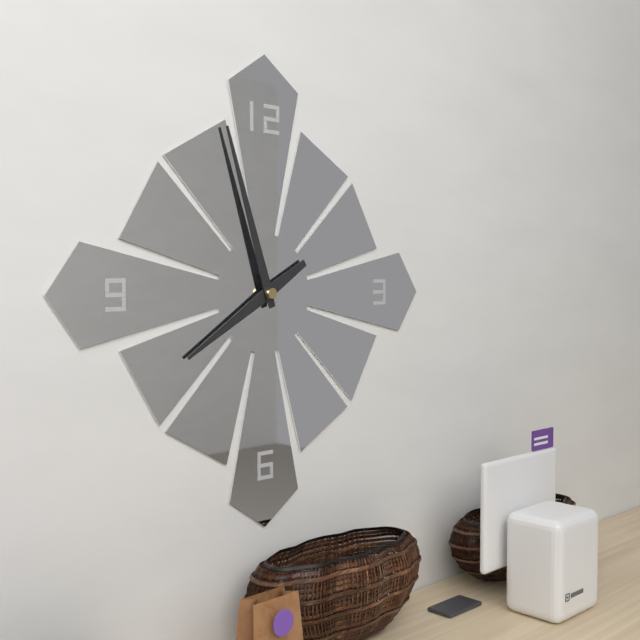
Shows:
7,57
